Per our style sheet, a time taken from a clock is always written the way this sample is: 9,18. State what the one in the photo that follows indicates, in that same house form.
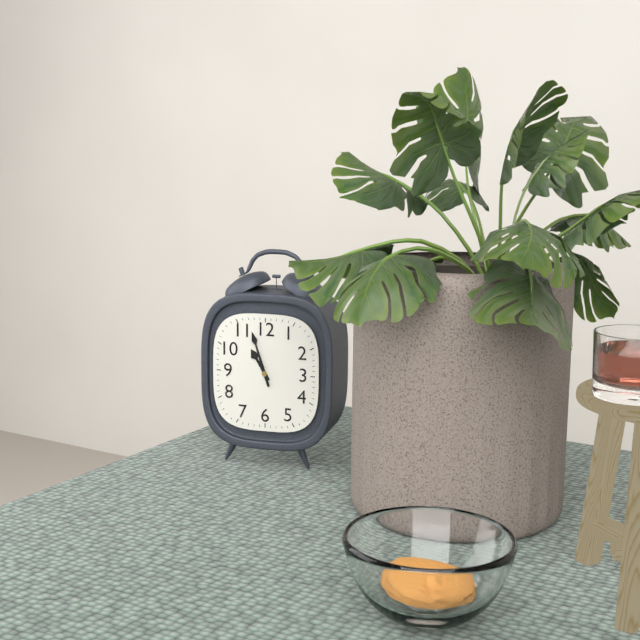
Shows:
10,57
